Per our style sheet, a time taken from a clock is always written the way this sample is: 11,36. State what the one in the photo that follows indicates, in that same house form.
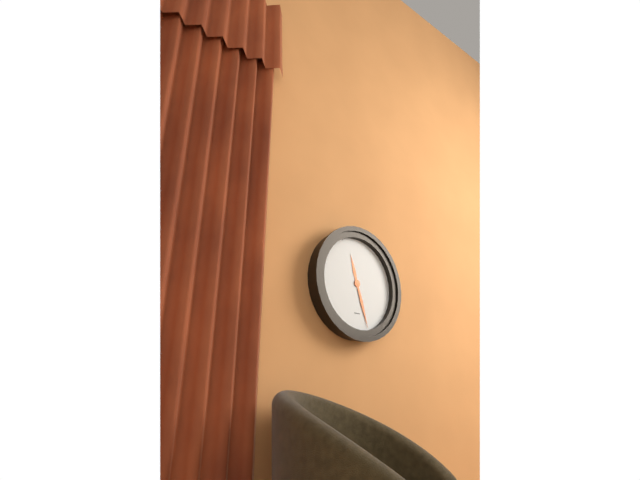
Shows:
11,27
